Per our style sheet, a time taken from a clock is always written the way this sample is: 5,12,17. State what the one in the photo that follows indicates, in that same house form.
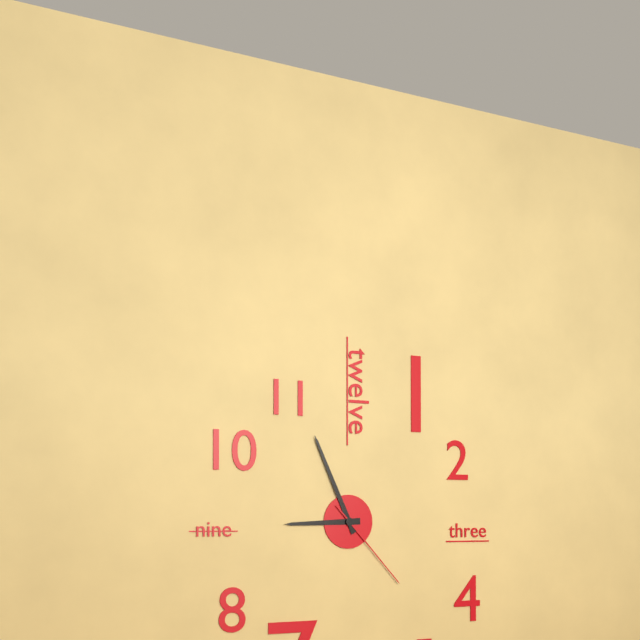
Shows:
8,56,23
